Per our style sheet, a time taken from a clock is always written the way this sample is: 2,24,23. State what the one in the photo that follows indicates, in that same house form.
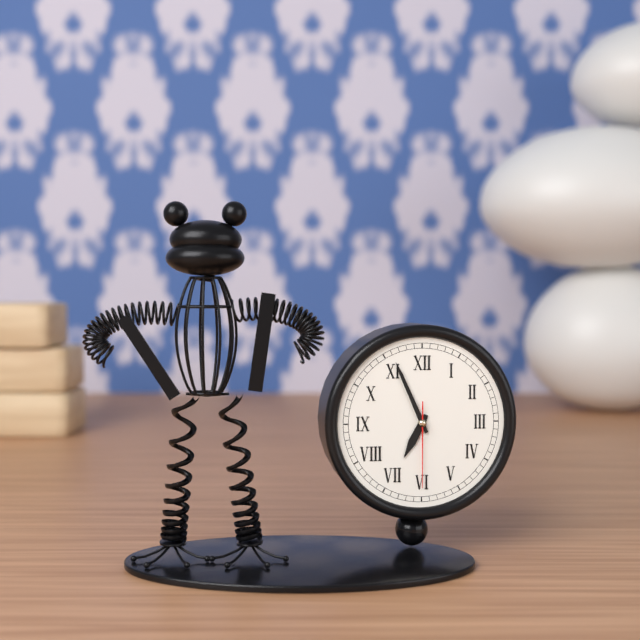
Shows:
6,56,30
